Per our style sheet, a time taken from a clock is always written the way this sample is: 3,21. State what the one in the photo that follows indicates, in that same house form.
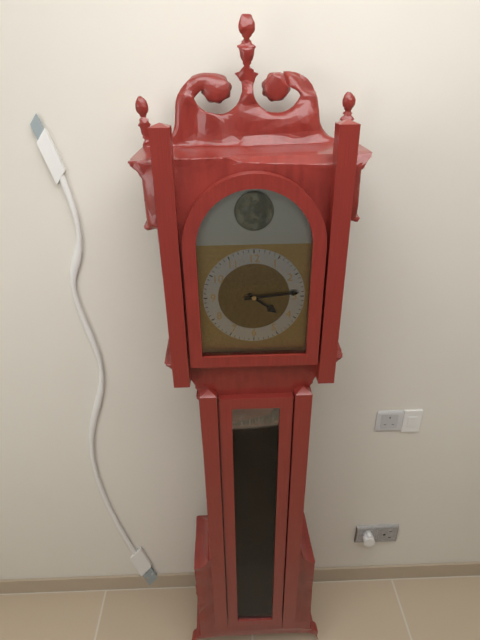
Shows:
4,14
